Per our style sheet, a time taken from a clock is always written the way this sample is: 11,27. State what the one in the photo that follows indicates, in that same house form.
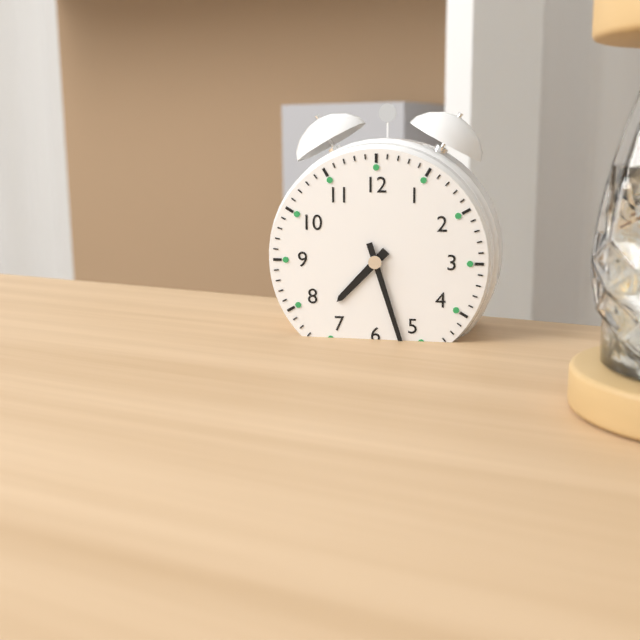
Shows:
7,27
